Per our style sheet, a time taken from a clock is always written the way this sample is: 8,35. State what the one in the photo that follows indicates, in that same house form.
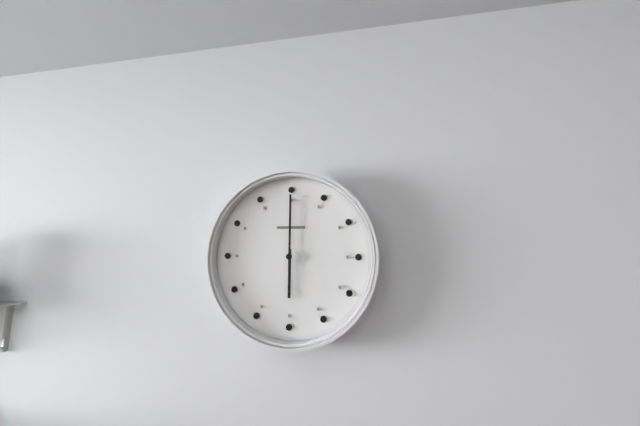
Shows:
6,00
